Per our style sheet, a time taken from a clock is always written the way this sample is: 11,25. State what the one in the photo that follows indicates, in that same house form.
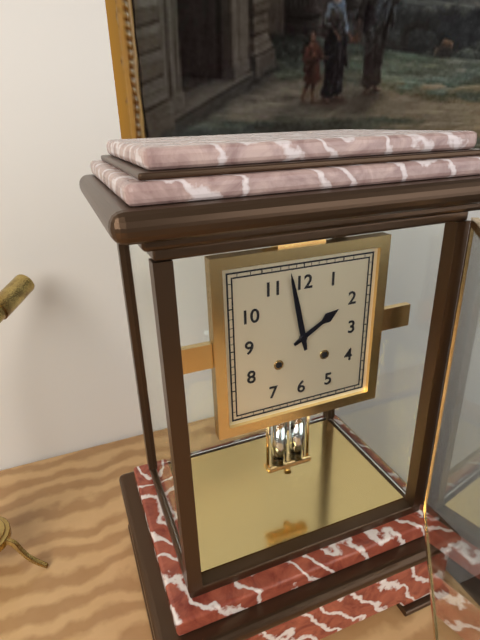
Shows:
1,58
